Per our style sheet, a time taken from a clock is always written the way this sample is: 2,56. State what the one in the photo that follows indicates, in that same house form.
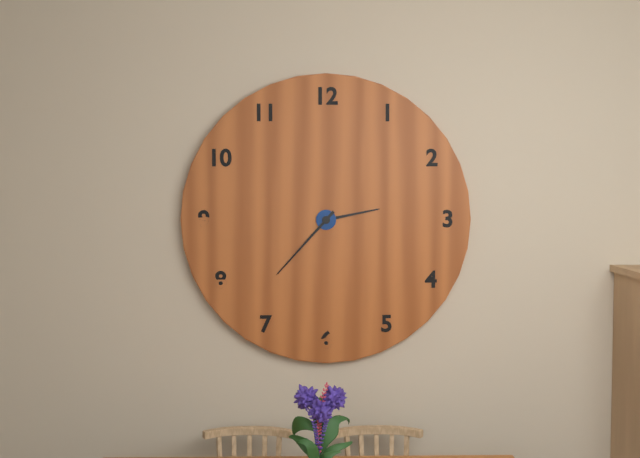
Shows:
2,37
